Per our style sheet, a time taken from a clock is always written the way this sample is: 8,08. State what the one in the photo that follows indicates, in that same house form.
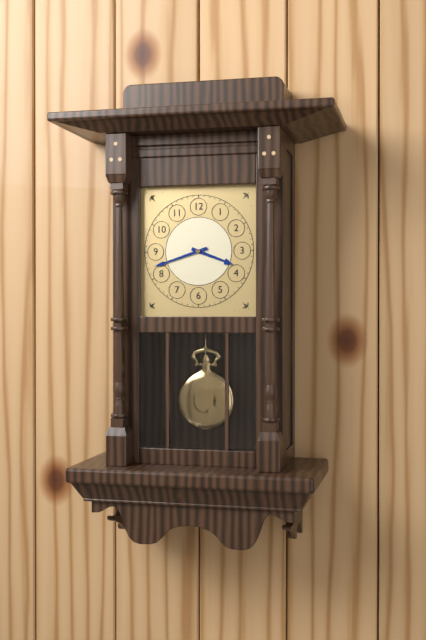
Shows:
3,42
